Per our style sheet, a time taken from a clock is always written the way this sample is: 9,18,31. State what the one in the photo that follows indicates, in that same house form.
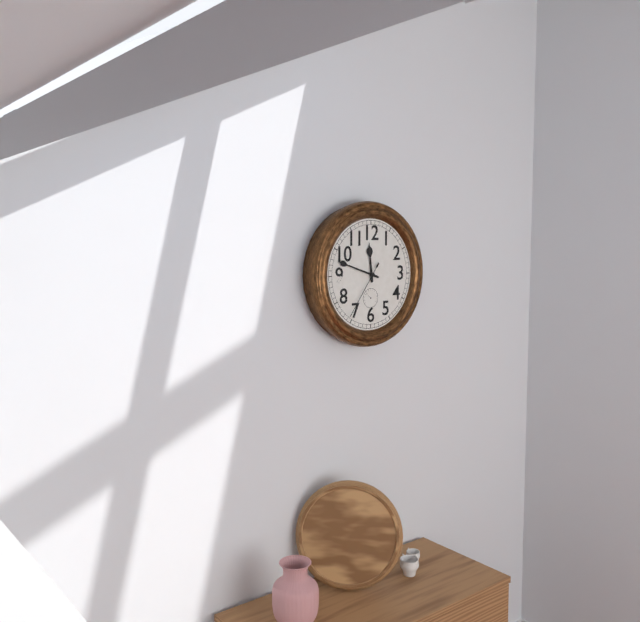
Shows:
11,48,36
